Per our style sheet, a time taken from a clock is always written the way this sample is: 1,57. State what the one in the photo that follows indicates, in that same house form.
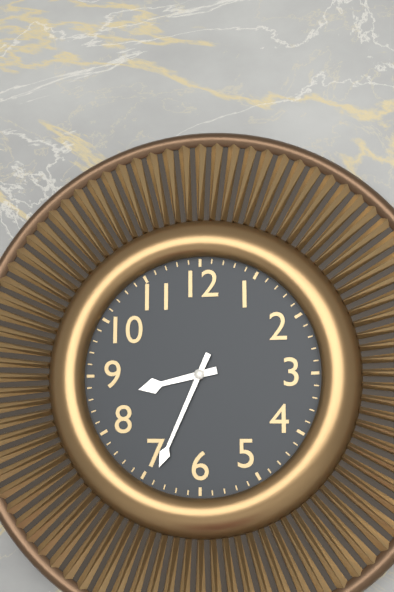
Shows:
8,34
